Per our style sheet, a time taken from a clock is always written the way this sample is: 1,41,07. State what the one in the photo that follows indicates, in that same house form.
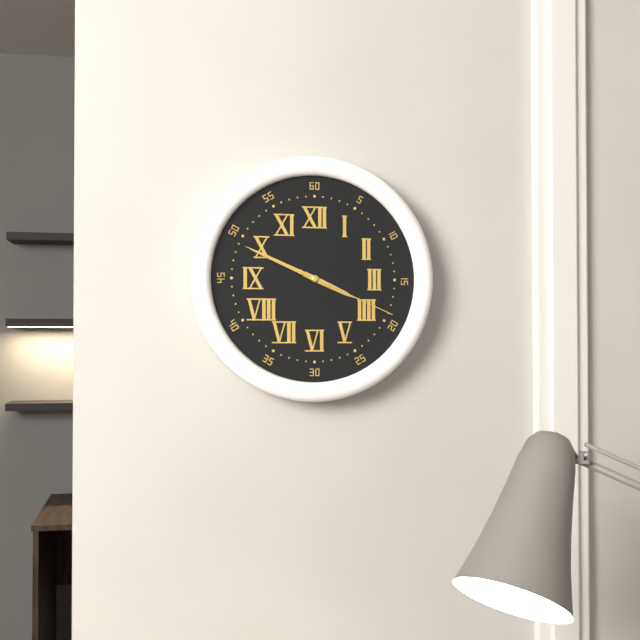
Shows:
3,49,19
